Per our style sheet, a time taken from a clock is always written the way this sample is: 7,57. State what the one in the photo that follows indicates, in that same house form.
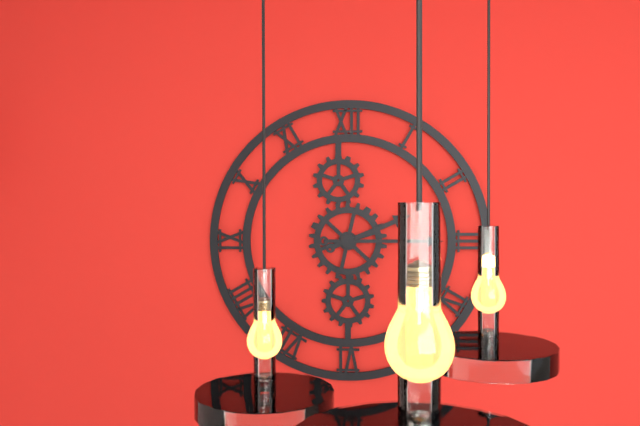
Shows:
2,15
